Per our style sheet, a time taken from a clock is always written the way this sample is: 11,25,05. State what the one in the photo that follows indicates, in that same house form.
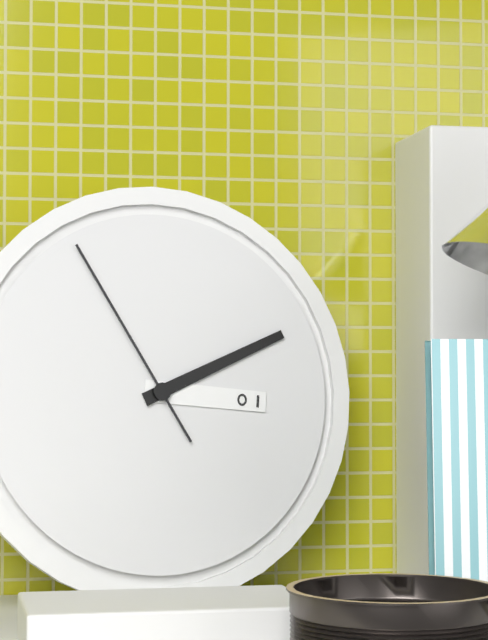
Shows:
3,11,55
